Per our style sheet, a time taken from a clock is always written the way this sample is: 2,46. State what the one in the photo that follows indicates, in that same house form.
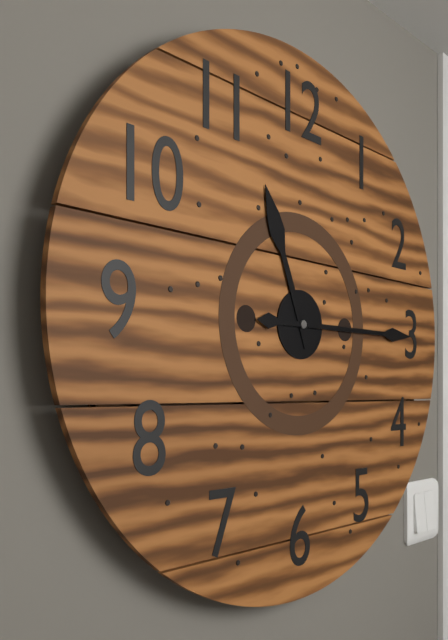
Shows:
11,15
